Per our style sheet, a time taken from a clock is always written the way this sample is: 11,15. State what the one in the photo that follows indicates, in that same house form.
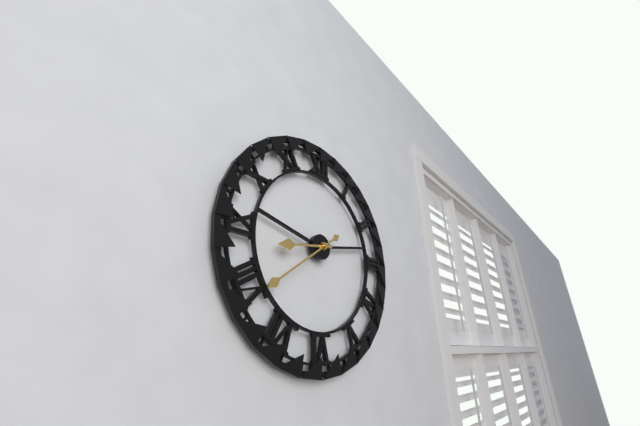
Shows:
8,39
